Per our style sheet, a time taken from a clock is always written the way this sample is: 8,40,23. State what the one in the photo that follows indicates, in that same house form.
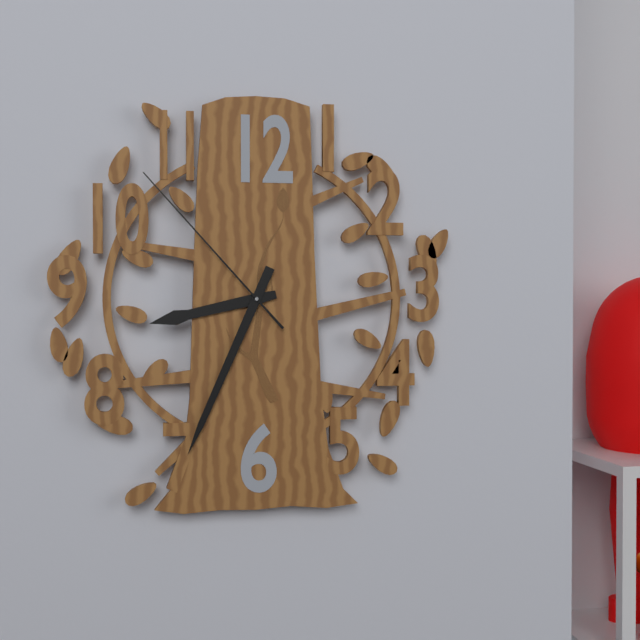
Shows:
8,34,53
